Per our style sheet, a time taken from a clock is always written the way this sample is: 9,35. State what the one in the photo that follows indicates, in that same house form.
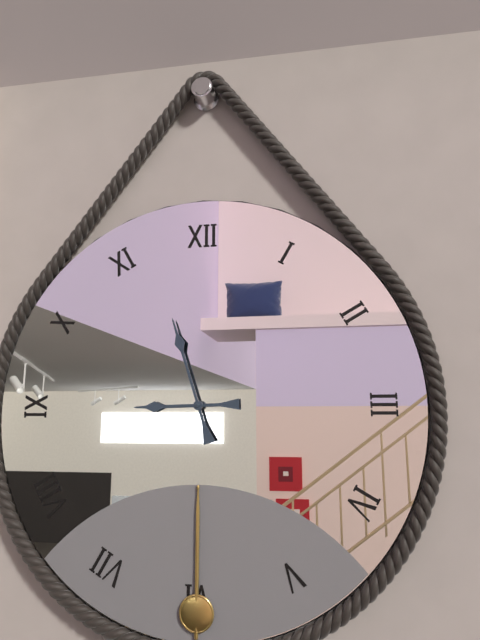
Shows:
8,57
